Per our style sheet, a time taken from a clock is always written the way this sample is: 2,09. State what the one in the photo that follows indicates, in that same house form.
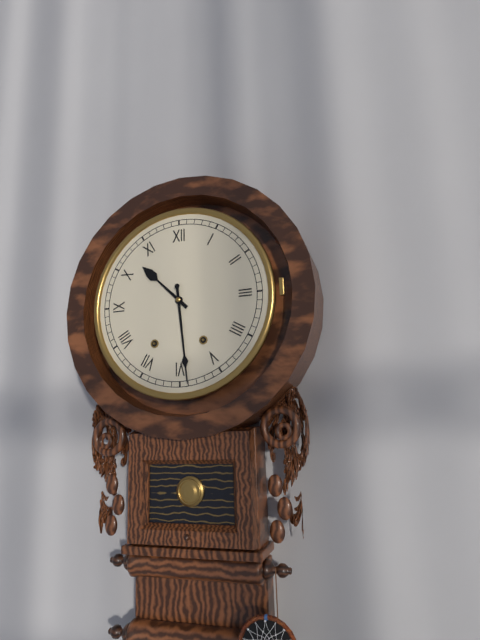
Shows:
10,29
